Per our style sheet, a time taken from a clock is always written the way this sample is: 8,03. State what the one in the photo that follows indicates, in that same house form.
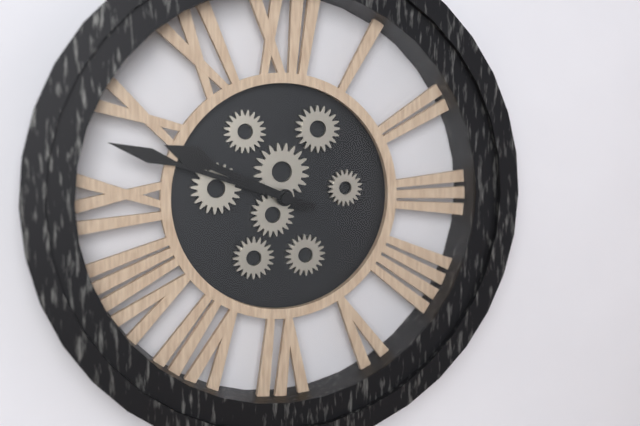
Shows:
9,48
